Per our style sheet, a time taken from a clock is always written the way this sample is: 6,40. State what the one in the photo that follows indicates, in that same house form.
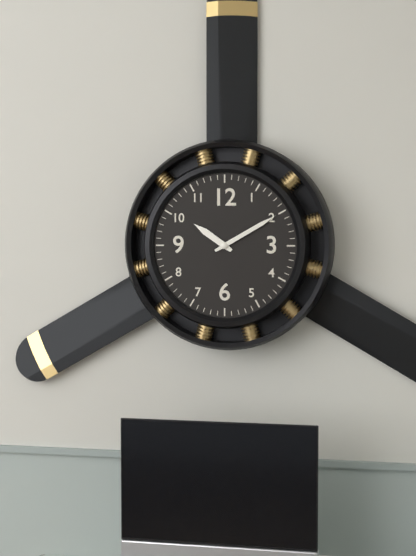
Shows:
10,10
